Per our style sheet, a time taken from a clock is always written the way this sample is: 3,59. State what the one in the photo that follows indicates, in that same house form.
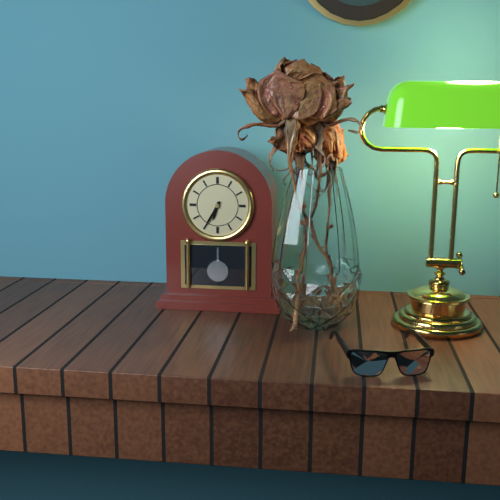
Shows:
6,35
